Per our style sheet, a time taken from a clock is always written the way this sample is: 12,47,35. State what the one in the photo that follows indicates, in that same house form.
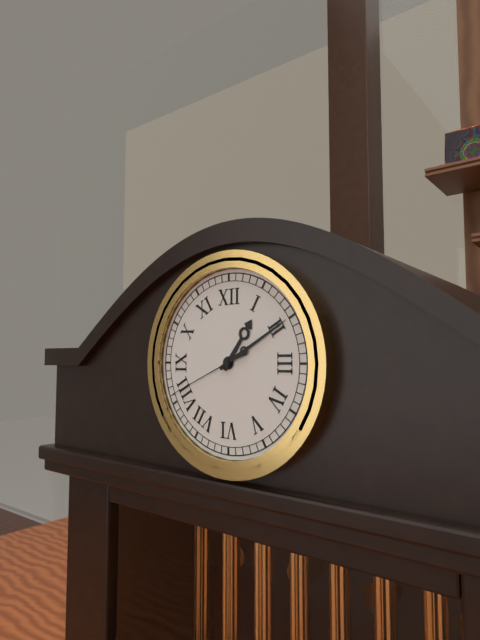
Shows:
1,10,41
